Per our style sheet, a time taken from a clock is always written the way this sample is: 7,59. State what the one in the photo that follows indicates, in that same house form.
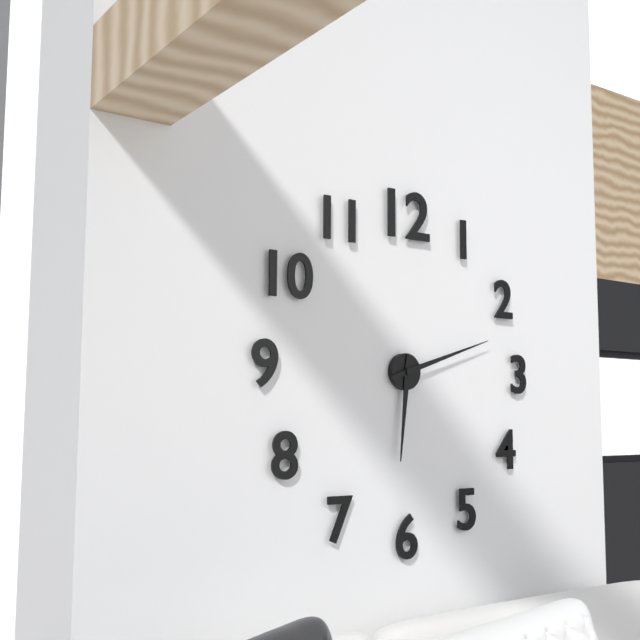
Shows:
6,12
